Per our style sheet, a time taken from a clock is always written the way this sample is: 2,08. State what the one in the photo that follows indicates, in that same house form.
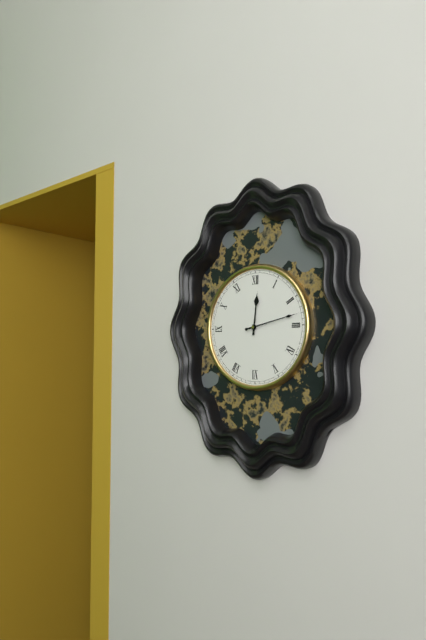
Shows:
12,13
